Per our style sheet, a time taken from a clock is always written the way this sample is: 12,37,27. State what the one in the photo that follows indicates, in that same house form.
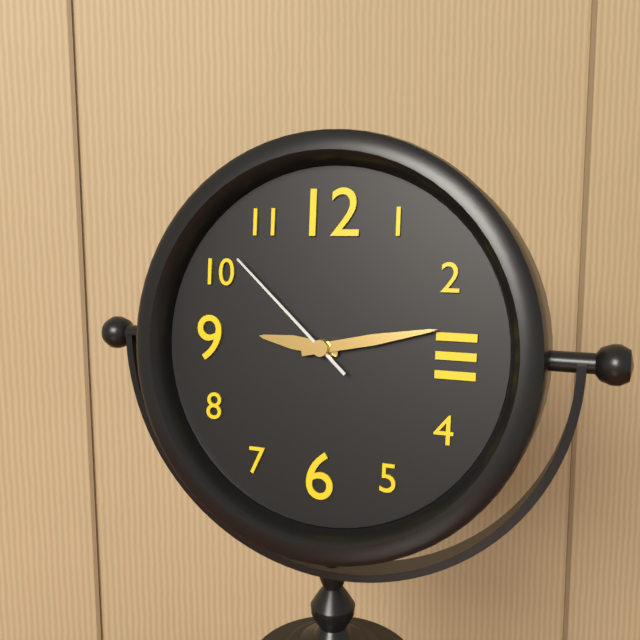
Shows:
9,13,52
